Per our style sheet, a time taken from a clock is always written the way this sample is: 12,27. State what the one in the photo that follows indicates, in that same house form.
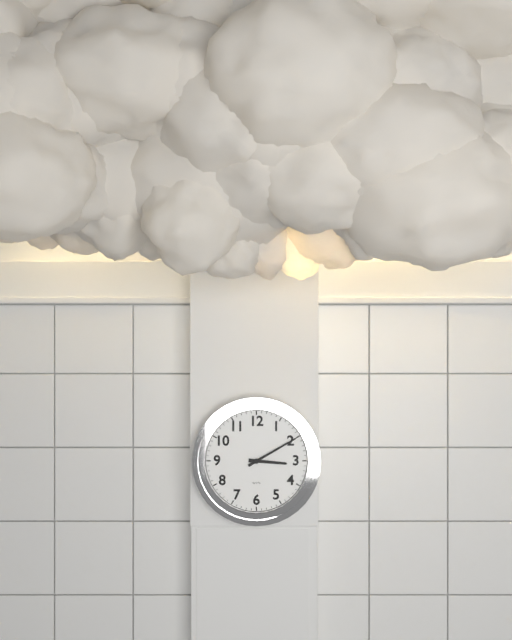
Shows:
3,10
